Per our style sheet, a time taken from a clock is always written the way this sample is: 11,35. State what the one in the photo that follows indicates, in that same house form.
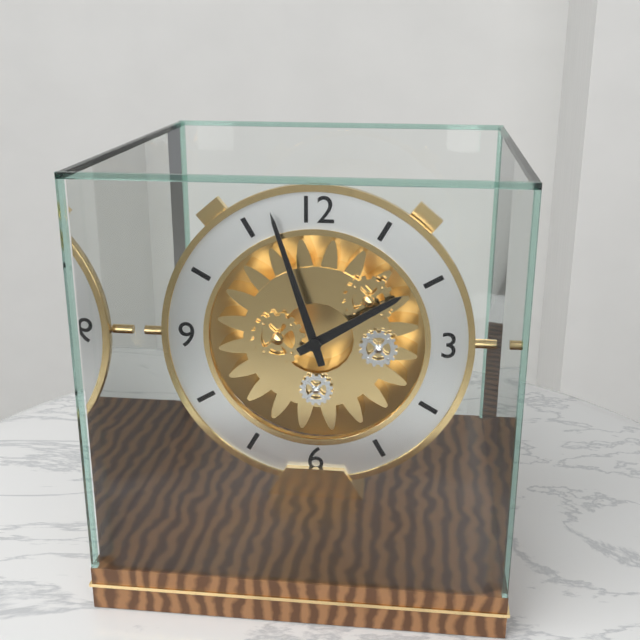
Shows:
1,57
